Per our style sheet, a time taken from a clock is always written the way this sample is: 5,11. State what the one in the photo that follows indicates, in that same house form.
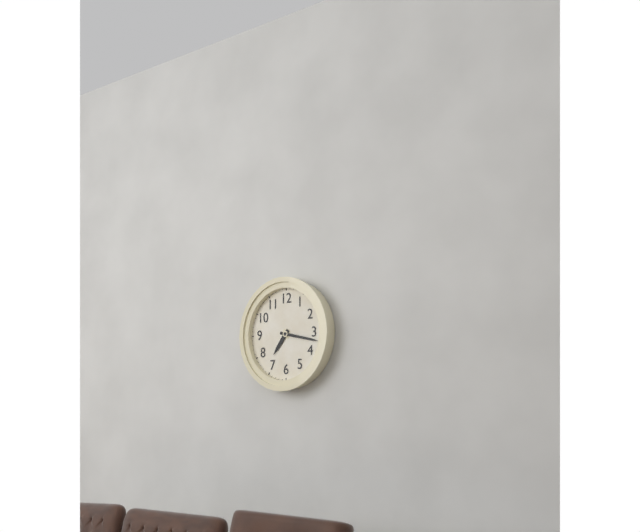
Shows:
7,17
